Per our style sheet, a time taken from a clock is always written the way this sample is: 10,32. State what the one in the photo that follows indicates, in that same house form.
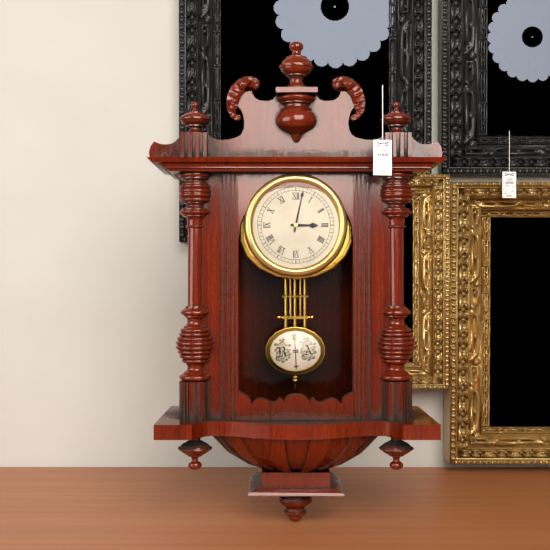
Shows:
3,02
